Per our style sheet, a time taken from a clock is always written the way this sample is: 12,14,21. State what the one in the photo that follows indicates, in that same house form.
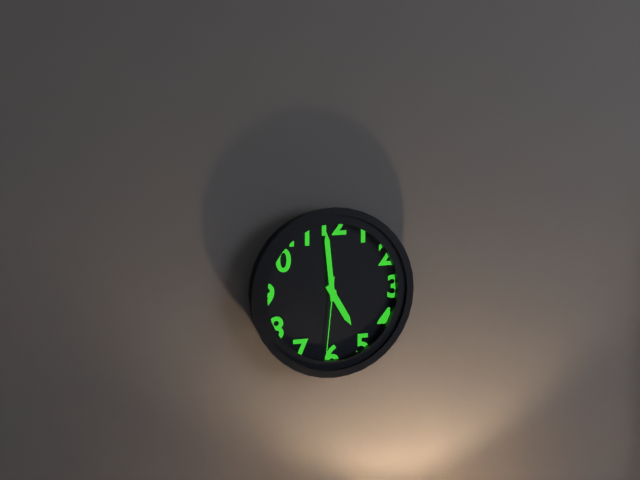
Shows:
4,59,31
